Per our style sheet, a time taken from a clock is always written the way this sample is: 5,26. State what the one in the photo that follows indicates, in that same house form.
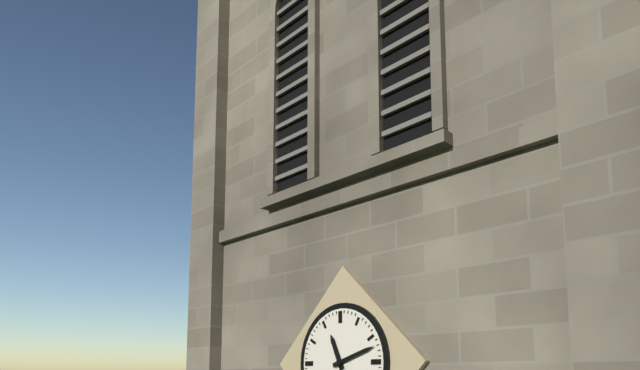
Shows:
11,12
